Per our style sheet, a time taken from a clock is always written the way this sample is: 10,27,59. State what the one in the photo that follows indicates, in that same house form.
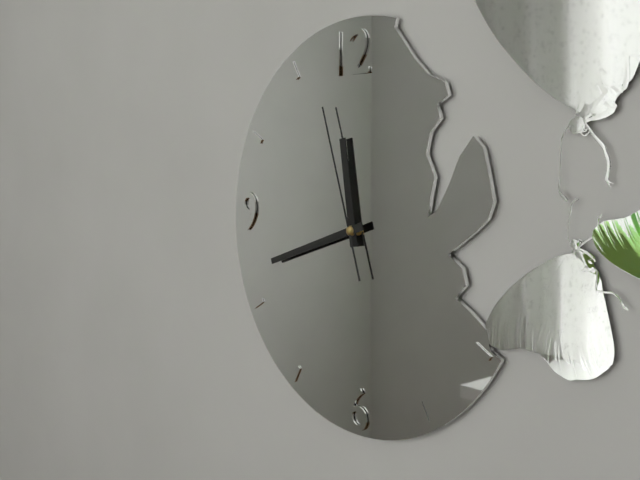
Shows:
11,42,57
